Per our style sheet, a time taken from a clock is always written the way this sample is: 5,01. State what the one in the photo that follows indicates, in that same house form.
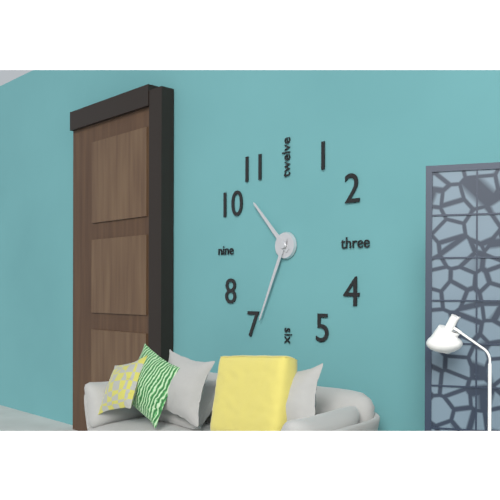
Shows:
10,34
